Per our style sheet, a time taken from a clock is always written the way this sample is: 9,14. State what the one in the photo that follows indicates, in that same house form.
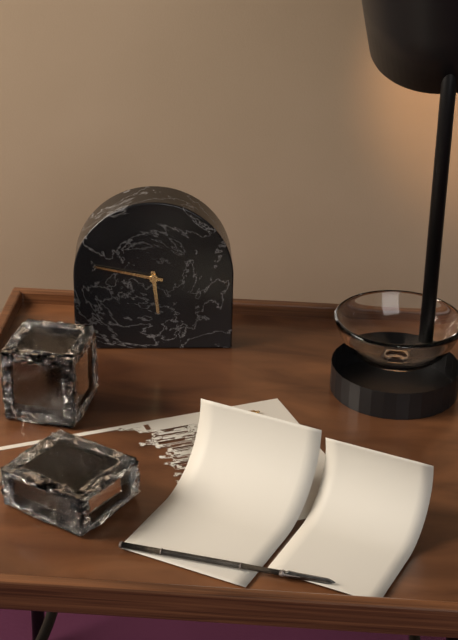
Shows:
5,47
